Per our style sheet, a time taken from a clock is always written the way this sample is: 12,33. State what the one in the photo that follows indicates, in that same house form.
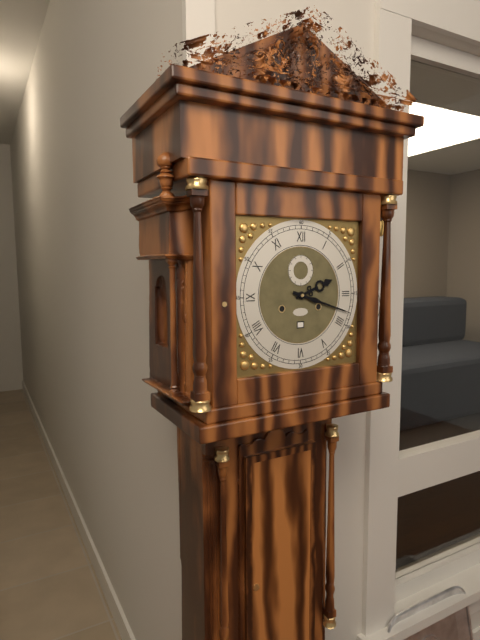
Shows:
2,18
